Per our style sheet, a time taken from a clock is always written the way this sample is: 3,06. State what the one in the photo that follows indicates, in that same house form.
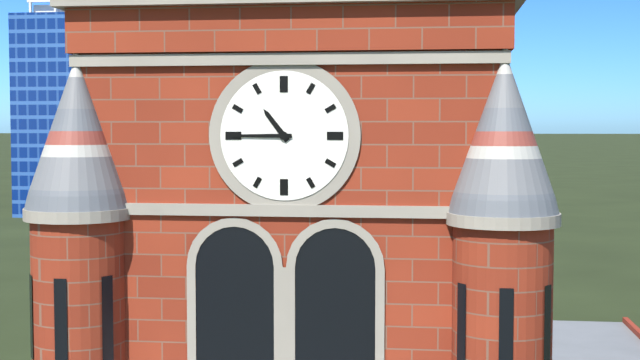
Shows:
10,45
